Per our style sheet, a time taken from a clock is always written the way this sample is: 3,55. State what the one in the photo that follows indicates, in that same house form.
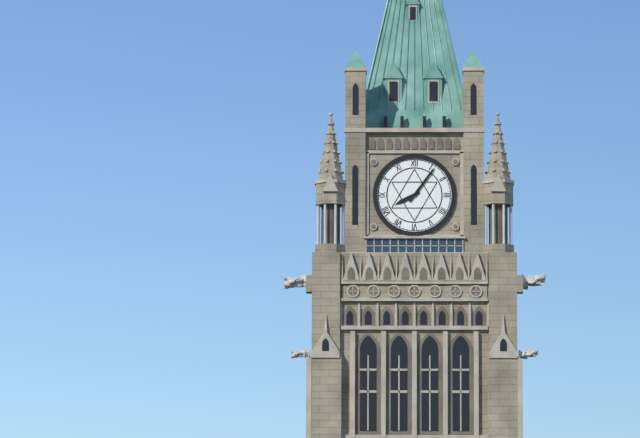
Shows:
8,06
